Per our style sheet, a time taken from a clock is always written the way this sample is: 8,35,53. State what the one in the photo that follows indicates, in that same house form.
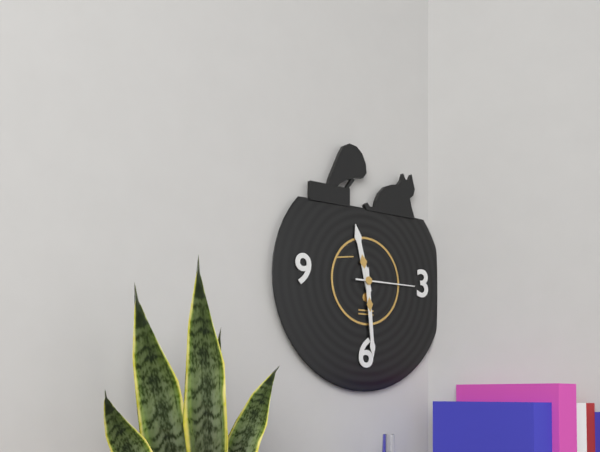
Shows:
11,29,15
